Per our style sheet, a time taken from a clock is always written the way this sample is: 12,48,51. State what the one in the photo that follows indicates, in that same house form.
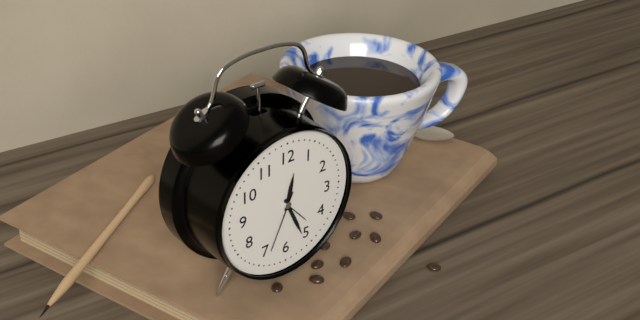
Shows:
12,26,34
